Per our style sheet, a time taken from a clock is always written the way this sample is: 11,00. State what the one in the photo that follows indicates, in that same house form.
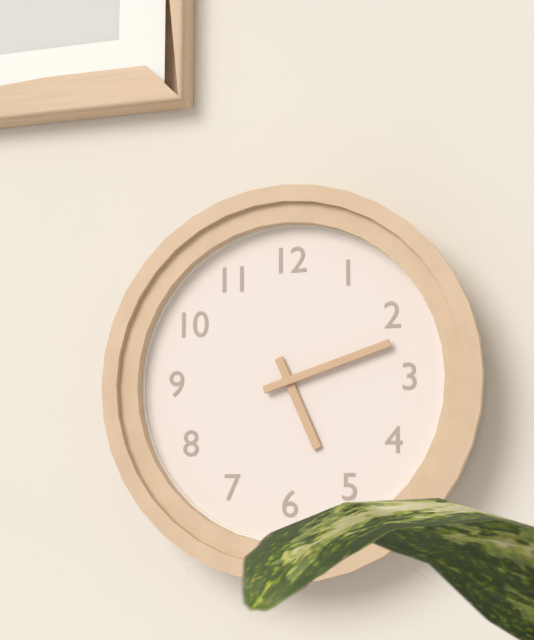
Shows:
5,12
